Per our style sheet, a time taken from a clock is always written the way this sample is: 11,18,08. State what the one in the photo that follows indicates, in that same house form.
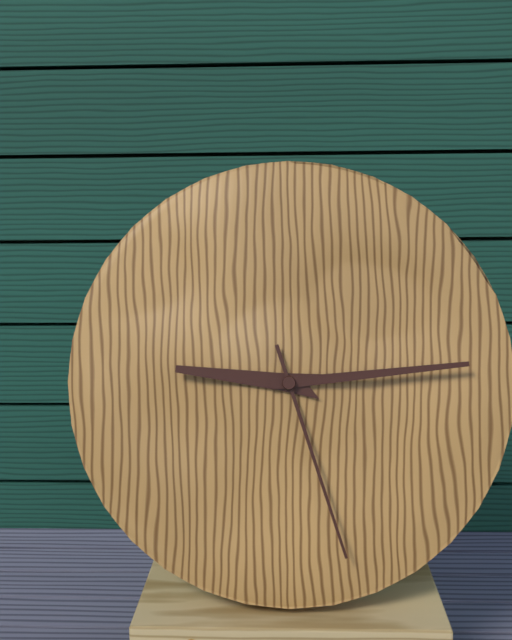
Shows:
9,14,27
